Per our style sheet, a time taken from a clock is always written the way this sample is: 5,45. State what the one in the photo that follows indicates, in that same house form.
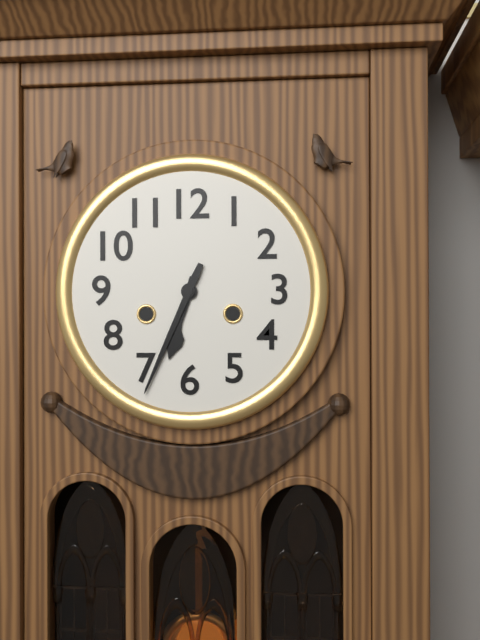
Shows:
6,34
